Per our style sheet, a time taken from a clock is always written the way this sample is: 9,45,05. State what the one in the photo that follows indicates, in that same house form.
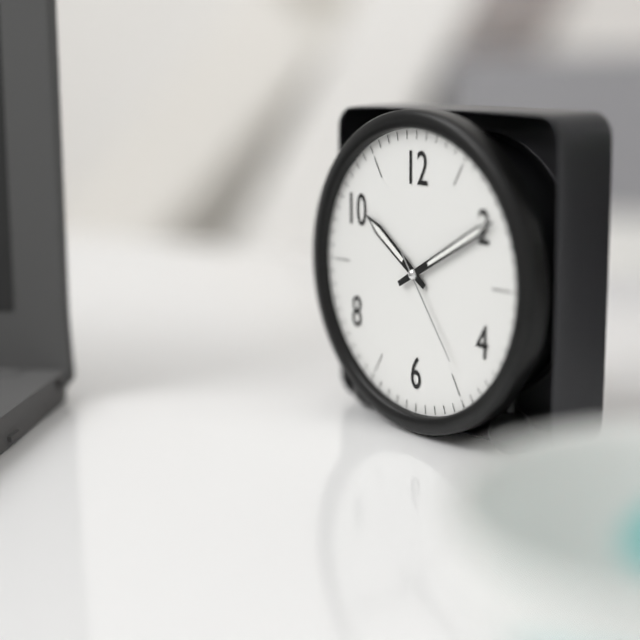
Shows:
10,10,24
